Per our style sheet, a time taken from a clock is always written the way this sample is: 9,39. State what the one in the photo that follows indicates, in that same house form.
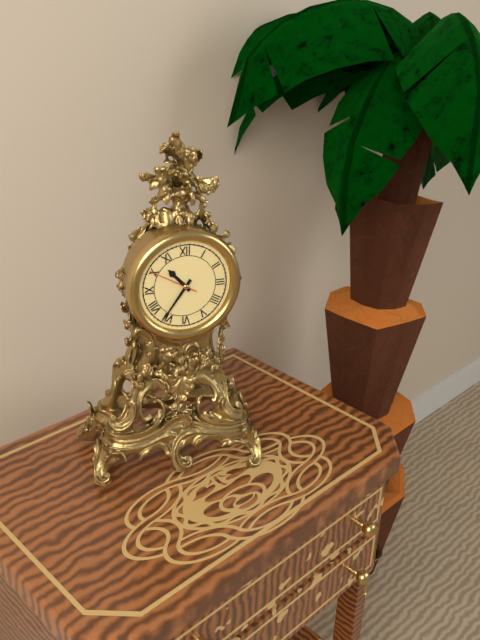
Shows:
10,36
